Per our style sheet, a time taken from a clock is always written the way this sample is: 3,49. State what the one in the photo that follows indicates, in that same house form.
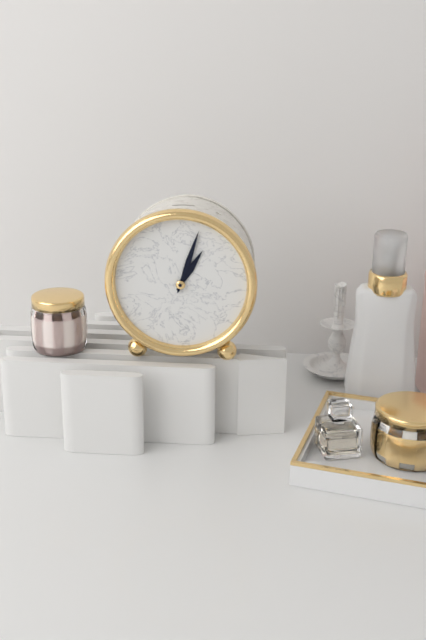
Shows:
1,03
